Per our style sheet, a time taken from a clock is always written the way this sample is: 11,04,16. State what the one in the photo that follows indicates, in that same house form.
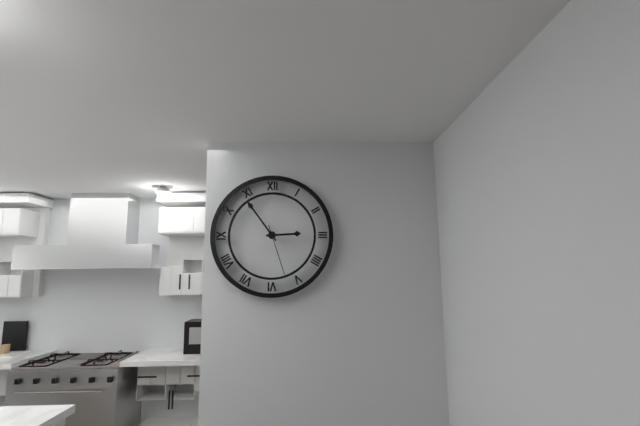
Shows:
2,54,27
